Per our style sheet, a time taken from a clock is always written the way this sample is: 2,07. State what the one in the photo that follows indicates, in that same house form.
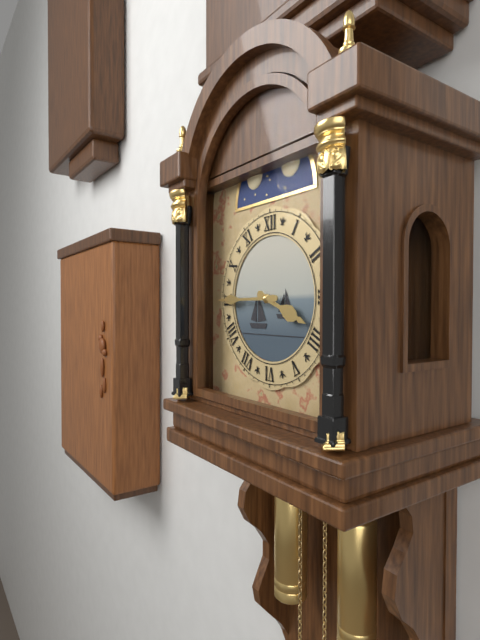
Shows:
3,45
